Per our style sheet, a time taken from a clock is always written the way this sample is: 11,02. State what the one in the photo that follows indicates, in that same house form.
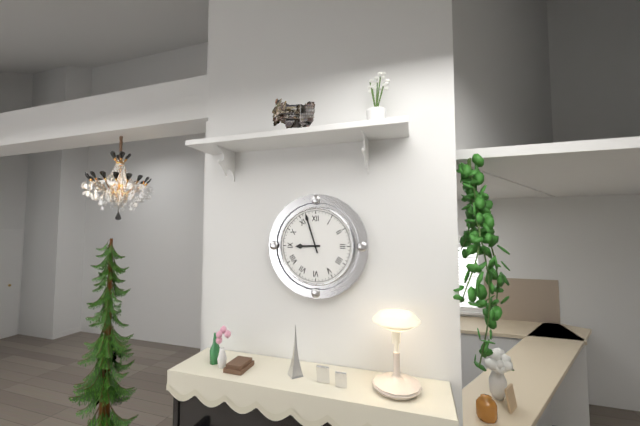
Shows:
8,57
